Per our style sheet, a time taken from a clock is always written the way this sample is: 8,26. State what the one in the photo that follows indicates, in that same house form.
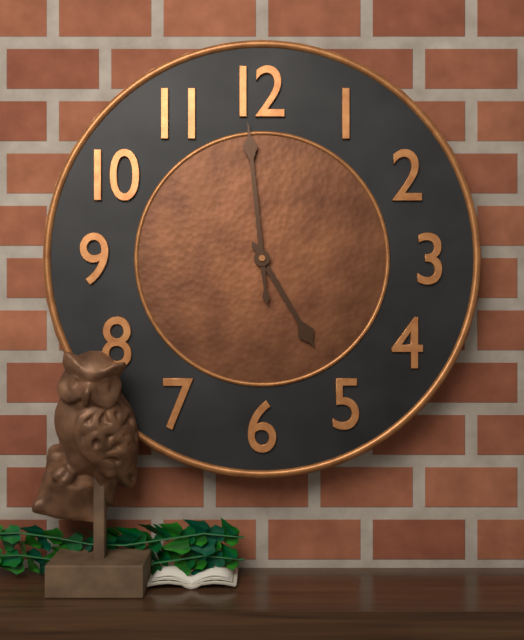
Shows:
4,59
